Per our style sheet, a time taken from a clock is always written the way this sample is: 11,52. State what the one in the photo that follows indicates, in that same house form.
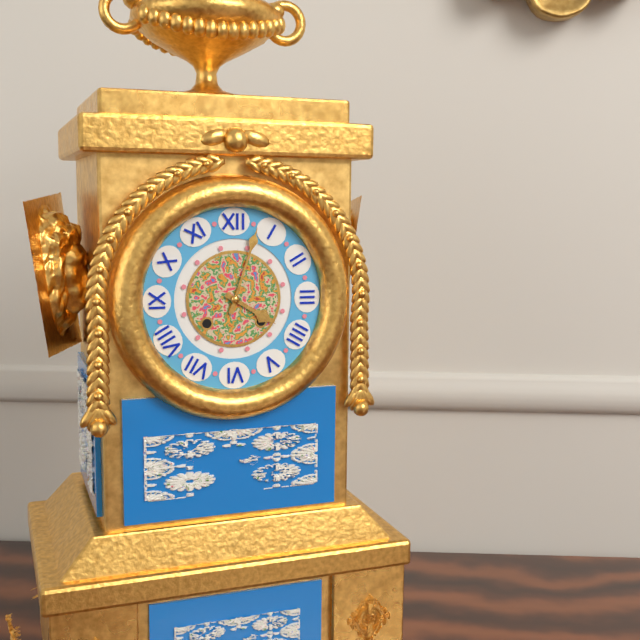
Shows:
4,03
